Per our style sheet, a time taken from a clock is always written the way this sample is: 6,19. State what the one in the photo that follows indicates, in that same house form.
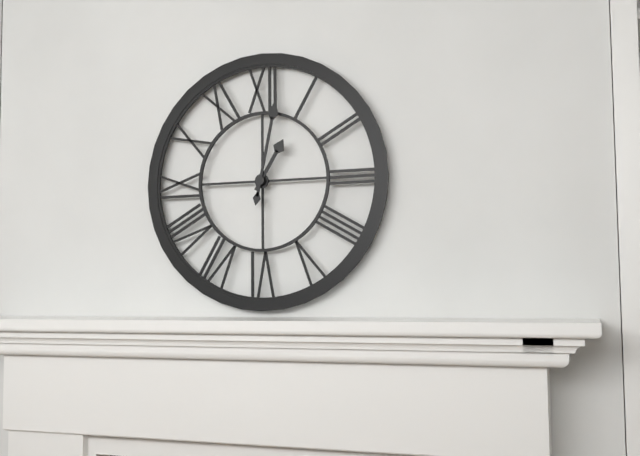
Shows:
1,02
